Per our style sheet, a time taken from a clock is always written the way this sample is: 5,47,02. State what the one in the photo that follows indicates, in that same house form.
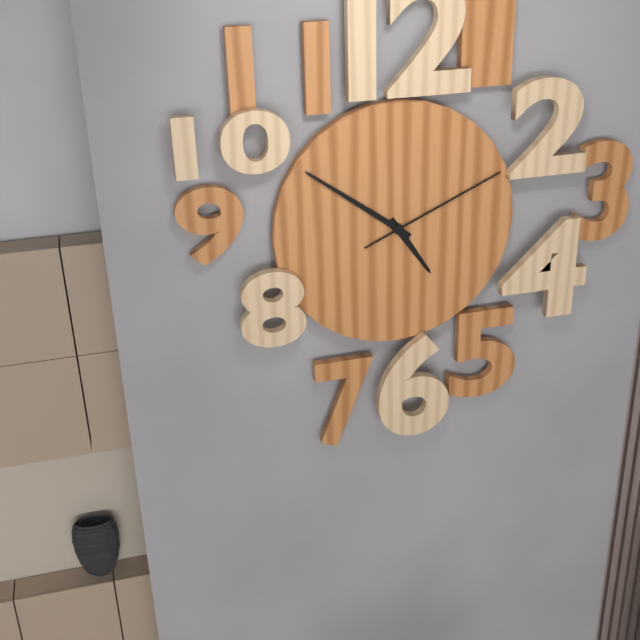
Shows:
4,51,11
